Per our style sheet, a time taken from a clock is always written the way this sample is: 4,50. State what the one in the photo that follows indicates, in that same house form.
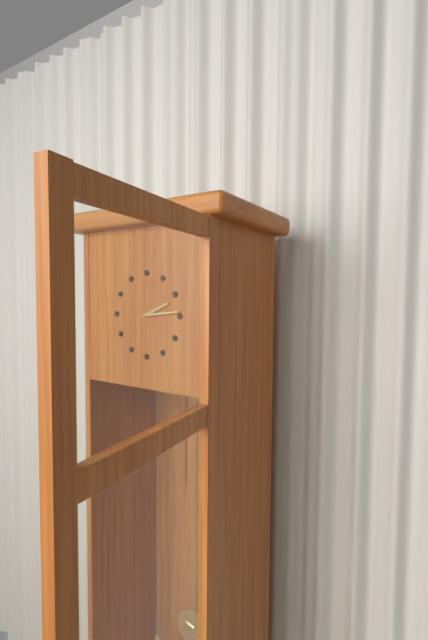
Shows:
2,14
